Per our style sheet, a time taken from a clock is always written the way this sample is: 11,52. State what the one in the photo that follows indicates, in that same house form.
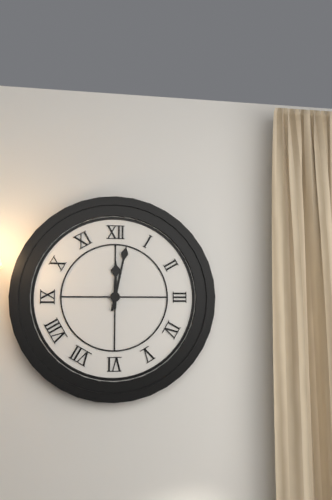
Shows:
12,02
